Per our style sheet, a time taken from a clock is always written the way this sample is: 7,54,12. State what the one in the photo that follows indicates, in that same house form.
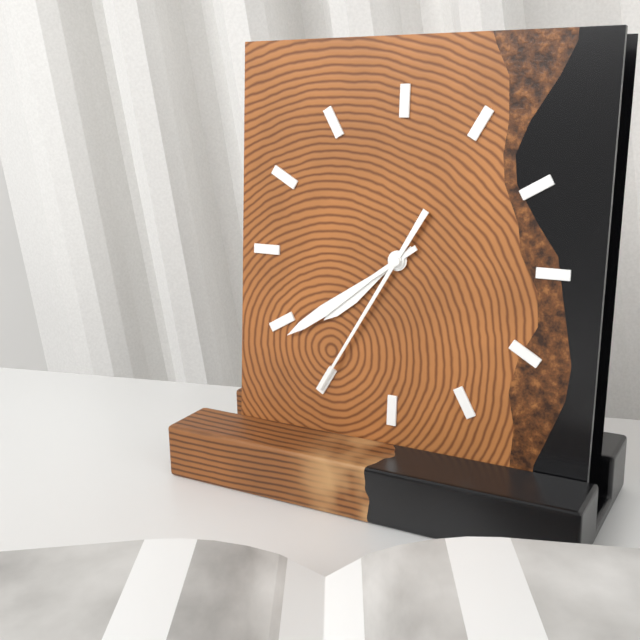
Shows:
7,39,35
